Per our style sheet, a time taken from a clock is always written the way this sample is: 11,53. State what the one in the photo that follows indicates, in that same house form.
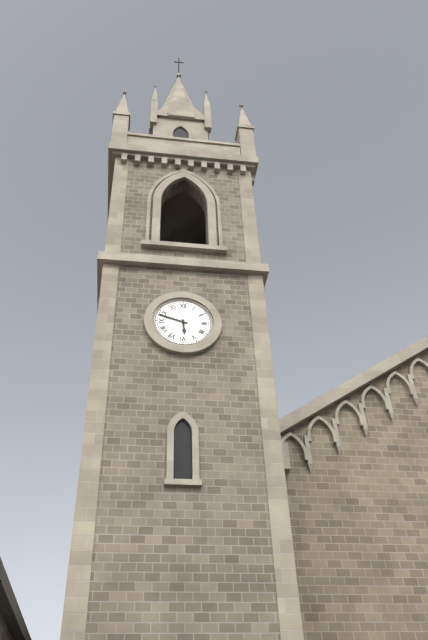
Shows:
5,48
